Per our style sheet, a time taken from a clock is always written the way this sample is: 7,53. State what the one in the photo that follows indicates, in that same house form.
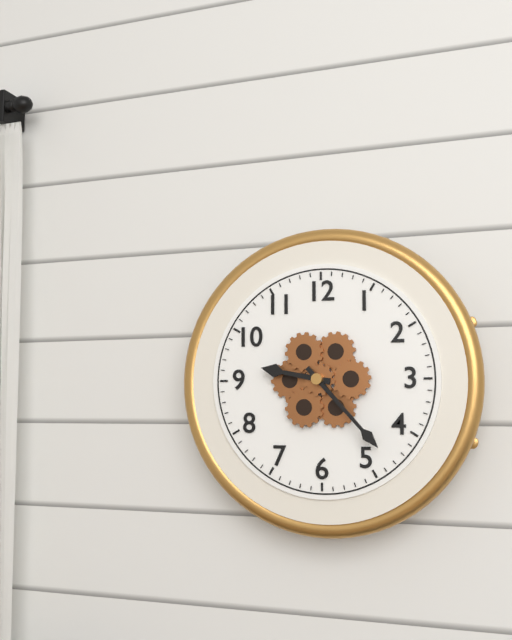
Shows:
9,23
